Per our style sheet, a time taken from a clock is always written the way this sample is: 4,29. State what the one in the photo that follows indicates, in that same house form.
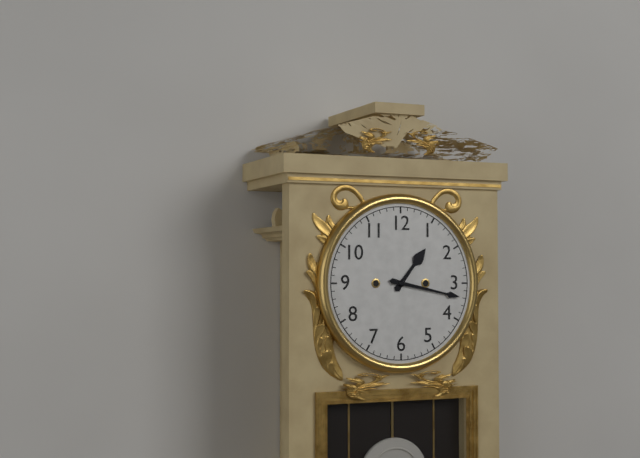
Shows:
1,17
